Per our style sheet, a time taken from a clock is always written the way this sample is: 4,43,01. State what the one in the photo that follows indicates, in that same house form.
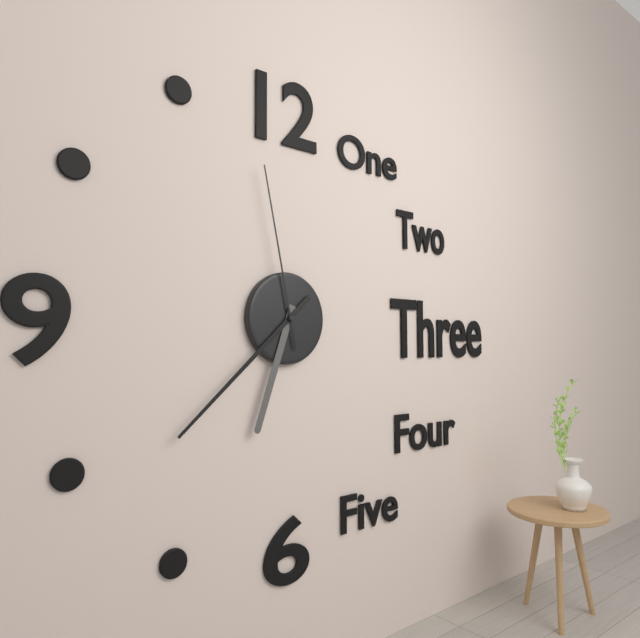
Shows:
6,38,58
